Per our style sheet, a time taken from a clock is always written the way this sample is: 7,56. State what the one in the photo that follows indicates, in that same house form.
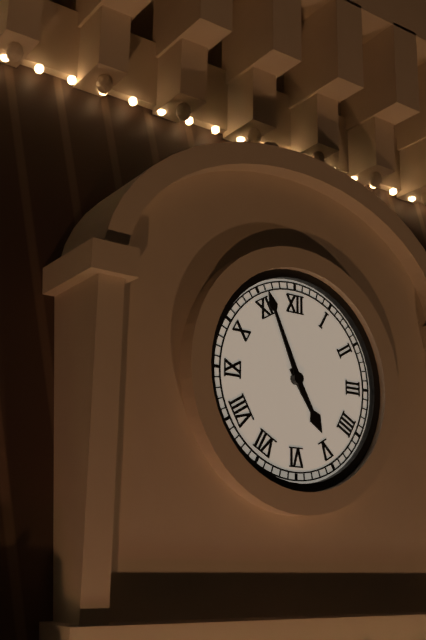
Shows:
4,56
